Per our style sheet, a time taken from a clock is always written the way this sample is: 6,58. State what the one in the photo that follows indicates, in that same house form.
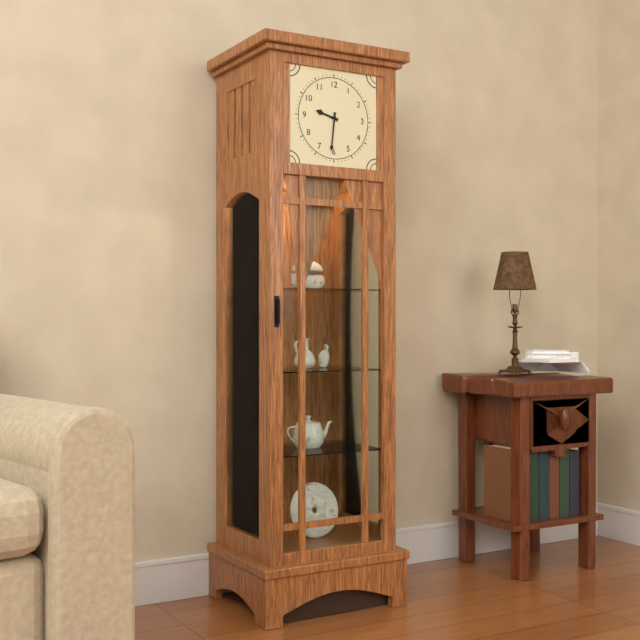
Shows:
9,31
